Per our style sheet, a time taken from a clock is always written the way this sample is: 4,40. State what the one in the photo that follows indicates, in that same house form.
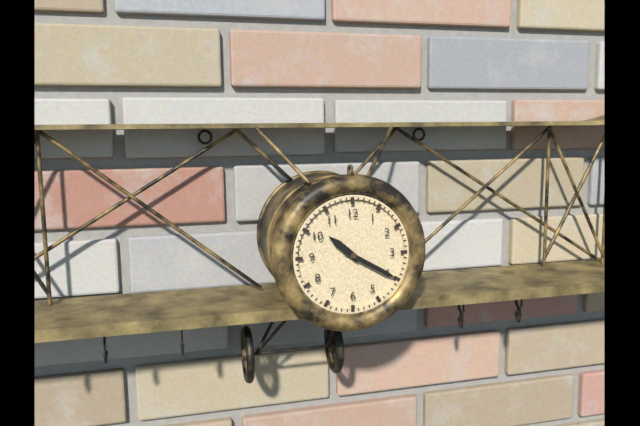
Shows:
10,20
